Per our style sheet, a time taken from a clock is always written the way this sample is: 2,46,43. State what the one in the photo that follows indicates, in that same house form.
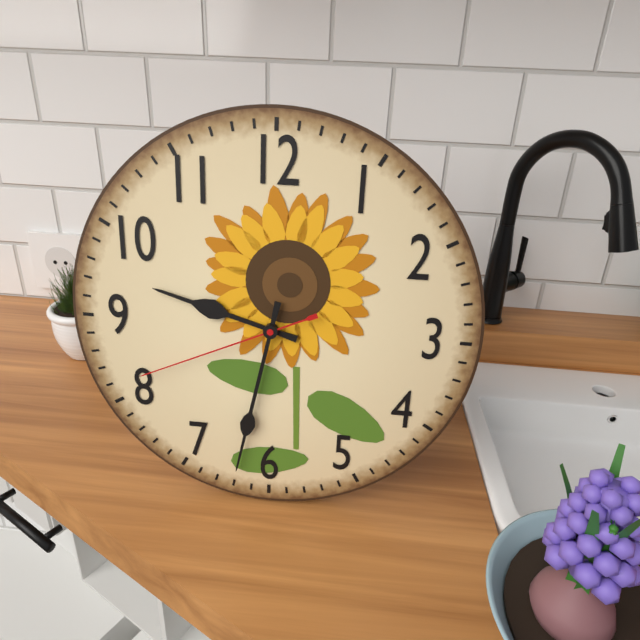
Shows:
9,32,41
